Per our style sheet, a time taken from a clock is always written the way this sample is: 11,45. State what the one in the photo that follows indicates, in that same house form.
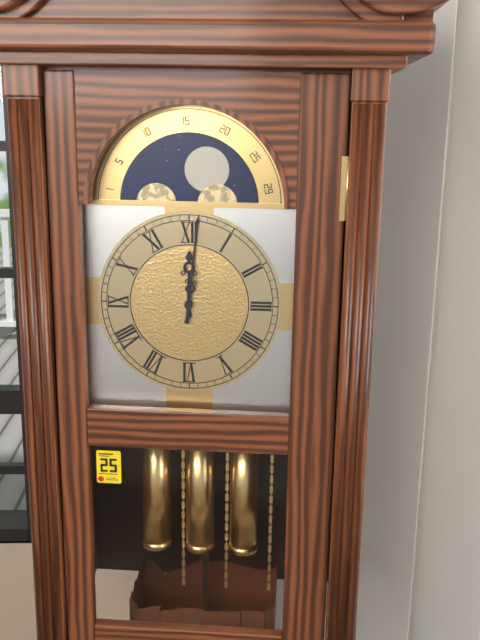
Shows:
12,01
